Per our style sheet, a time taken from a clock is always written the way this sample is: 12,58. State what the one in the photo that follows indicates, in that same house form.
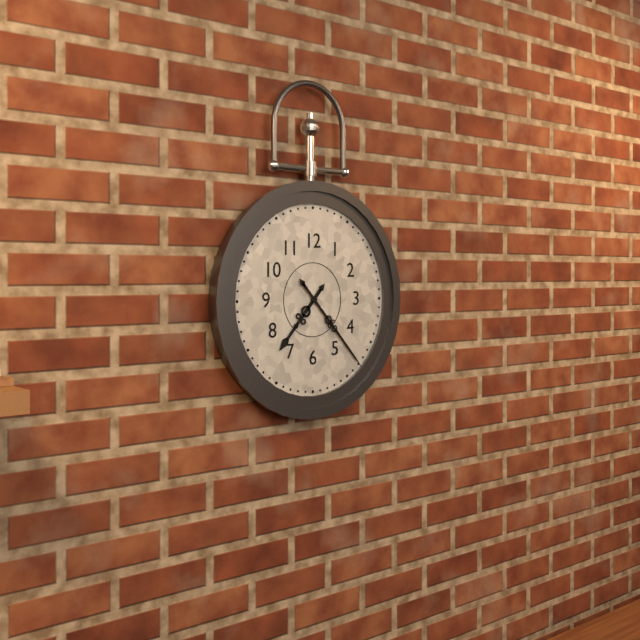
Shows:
7,23
